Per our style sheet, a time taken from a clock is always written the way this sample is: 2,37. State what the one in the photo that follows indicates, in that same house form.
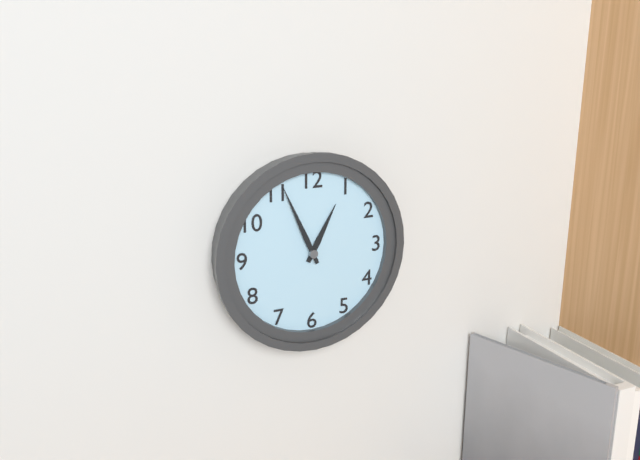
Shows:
12,56
